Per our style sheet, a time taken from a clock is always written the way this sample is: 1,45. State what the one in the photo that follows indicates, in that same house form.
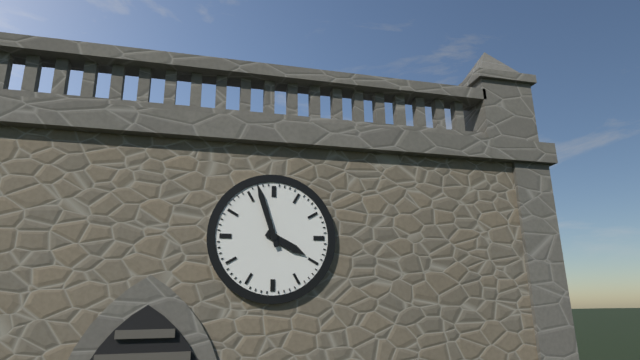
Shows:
3,57
